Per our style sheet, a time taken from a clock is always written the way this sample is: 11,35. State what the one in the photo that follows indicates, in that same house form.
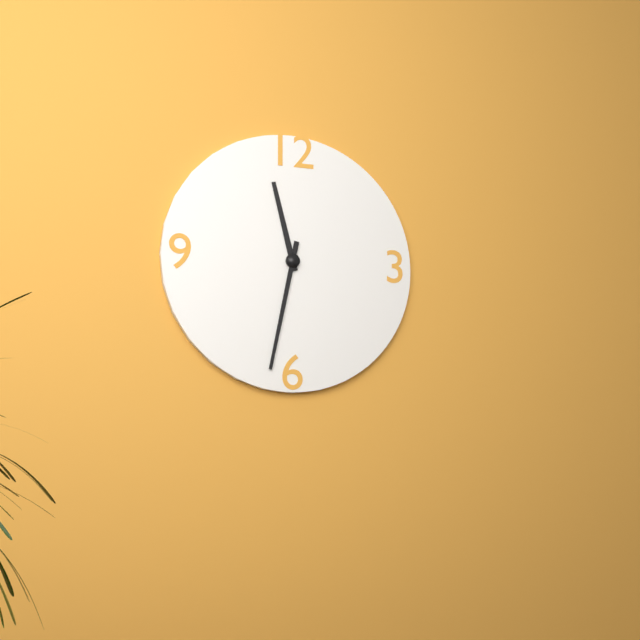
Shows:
11,32
